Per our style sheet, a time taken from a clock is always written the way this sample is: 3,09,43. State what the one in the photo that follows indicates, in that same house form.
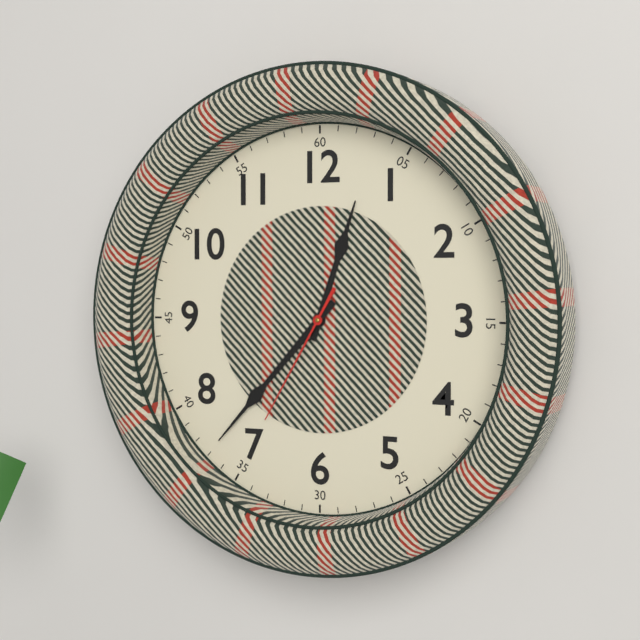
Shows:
12,37,35
